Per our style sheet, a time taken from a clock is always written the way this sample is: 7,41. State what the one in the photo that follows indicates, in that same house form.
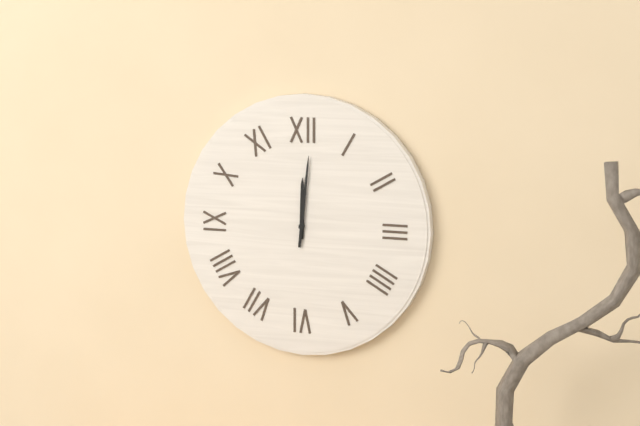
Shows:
12,01
